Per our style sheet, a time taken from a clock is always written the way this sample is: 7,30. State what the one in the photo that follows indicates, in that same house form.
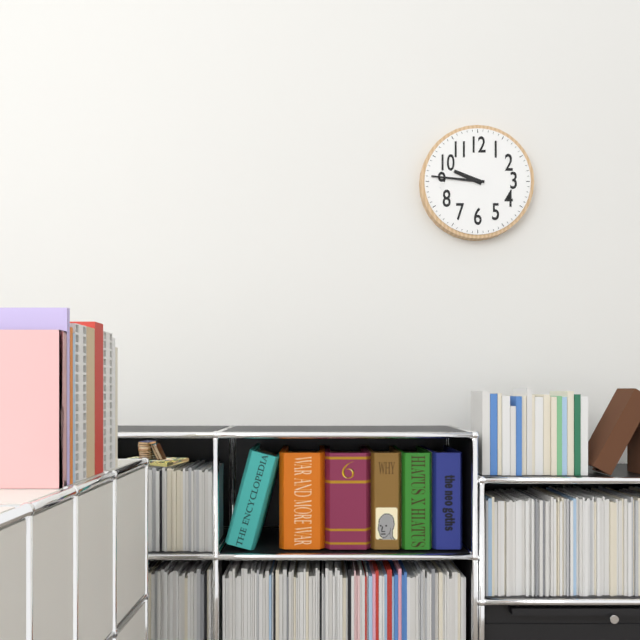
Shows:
9,46
